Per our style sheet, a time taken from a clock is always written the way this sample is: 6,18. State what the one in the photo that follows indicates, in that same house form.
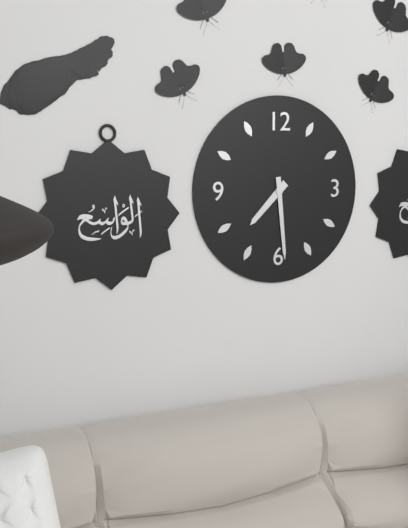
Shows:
7,29
